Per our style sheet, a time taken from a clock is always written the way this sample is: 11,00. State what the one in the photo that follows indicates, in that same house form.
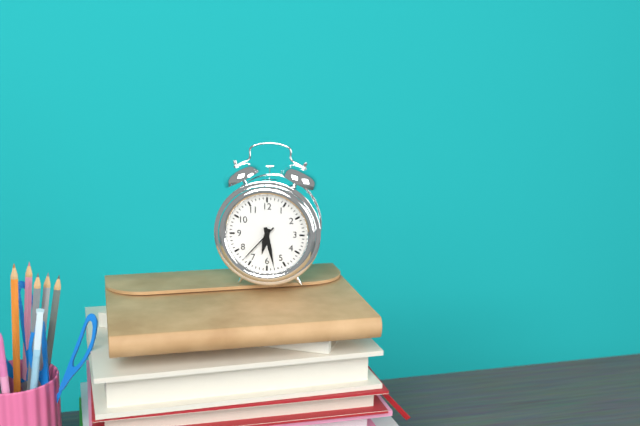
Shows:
6,28
